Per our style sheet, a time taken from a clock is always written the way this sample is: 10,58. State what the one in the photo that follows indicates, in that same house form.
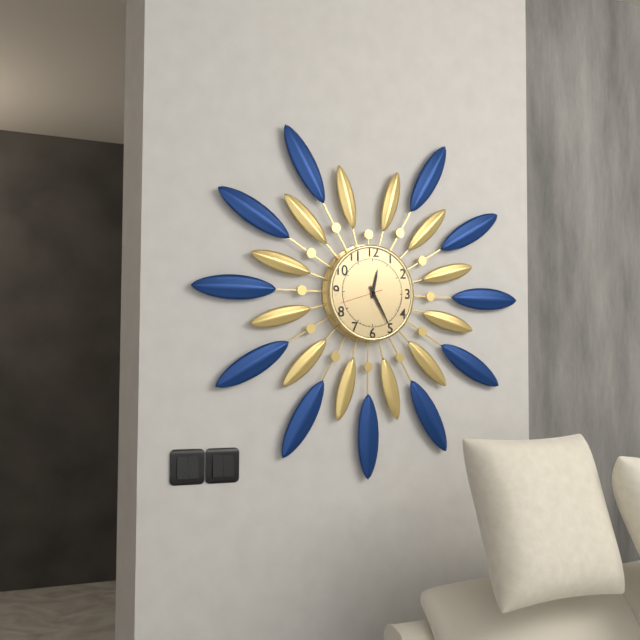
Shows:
12,25
